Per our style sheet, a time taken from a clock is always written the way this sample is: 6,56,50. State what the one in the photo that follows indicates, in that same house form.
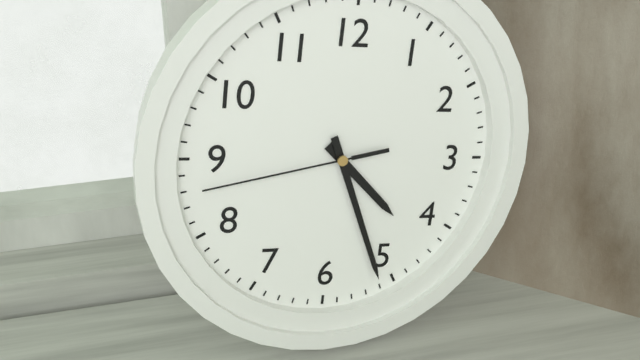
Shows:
4,26,43
